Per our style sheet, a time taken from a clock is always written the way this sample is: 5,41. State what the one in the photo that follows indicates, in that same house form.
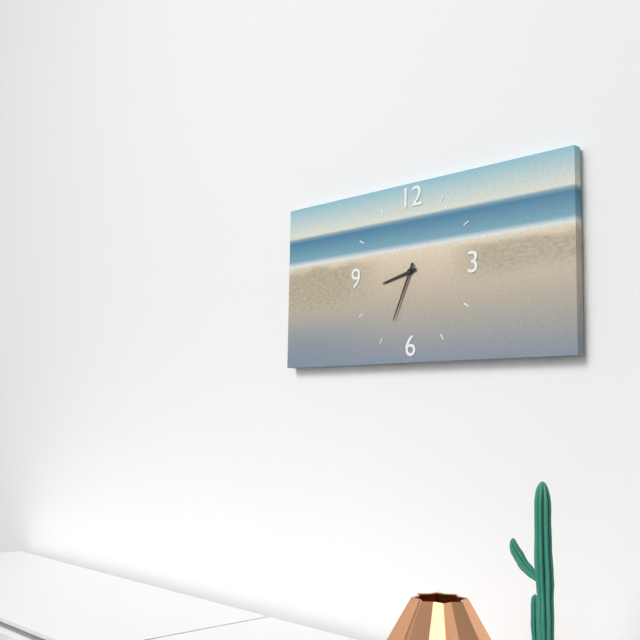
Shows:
8,34
